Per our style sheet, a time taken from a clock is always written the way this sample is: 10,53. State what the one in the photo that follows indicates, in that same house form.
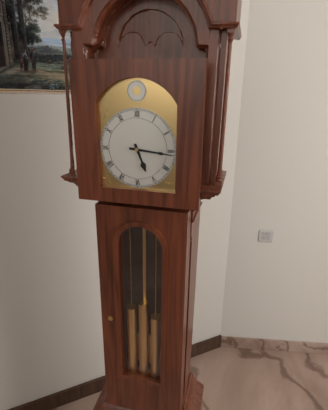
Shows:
5,16
